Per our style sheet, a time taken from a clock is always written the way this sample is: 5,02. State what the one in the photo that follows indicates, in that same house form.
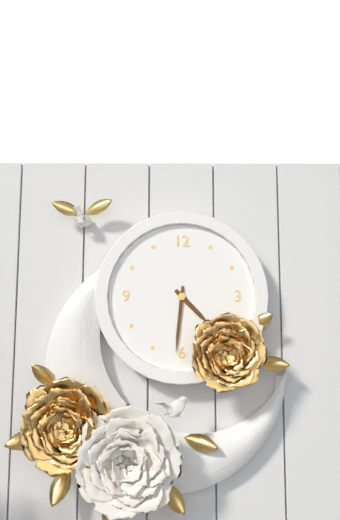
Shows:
4,31
